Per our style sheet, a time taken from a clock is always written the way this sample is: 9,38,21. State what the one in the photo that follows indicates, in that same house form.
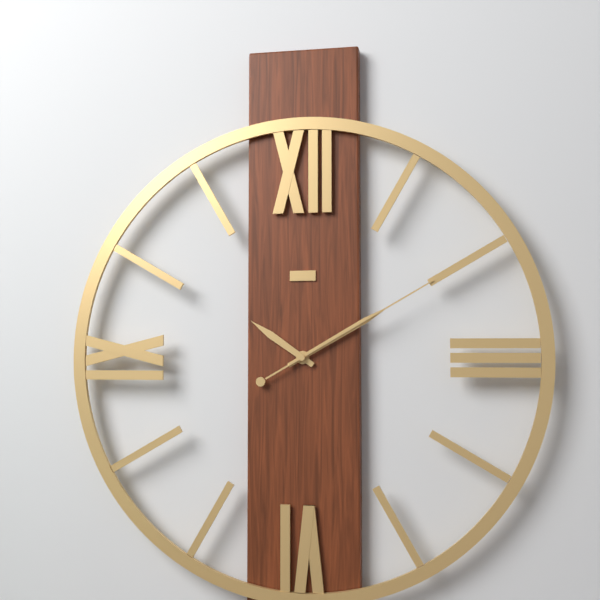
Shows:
10,10,10
